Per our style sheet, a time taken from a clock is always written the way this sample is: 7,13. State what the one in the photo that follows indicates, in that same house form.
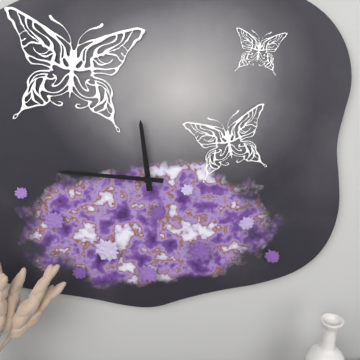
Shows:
11,46
